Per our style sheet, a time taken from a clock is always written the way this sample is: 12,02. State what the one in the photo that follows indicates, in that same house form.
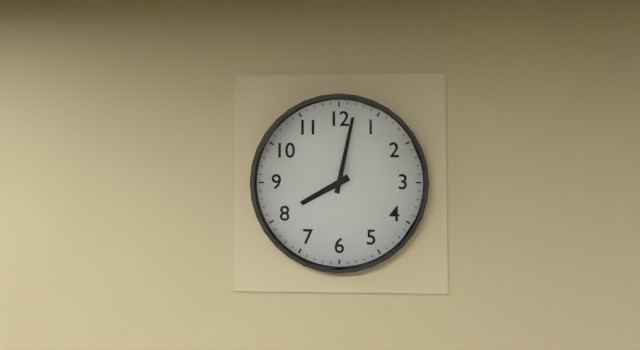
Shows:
8,02
